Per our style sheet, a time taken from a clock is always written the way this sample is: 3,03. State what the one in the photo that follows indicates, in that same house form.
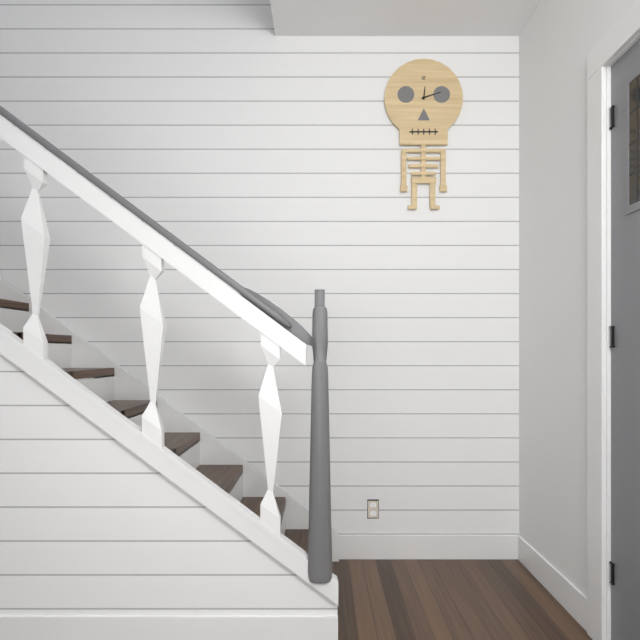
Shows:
12,12
